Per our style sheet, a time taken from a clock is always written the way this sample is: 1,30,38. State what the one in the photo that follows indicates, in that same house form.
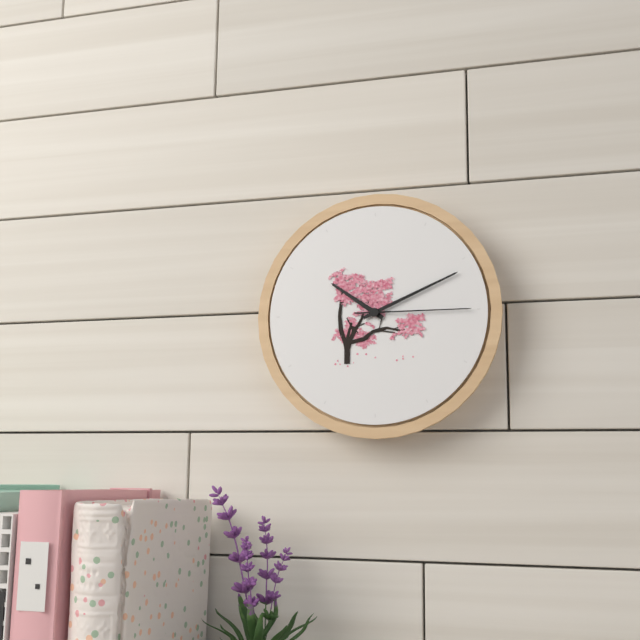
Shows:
10,11,15
